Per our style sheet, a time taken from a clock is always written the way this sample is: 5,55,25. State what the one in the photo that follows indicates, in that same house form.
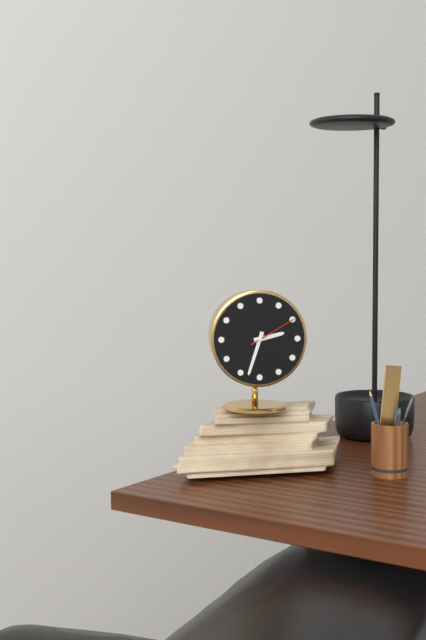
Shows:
2,33,10
